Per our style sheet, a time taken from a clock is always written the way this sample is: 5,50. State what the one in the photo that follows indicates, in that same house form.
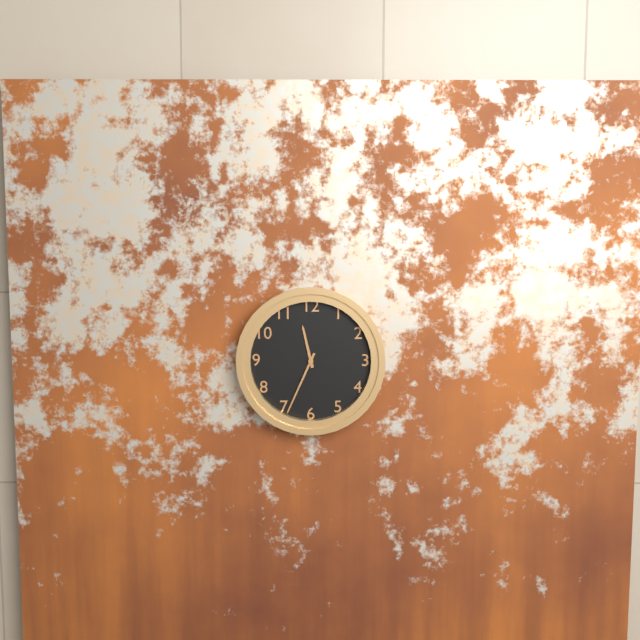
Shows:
11,34
